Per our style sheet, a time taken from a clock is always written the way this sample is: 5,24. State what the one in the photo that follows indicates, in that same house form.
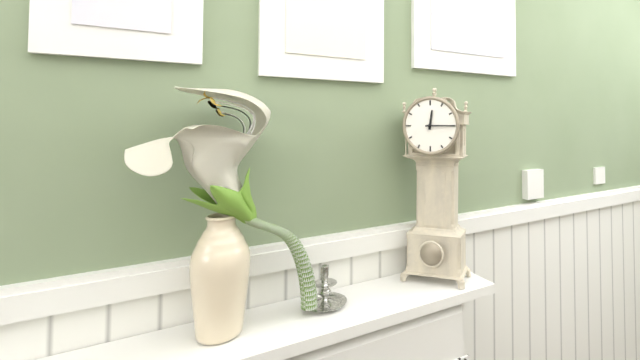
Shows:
12,15
